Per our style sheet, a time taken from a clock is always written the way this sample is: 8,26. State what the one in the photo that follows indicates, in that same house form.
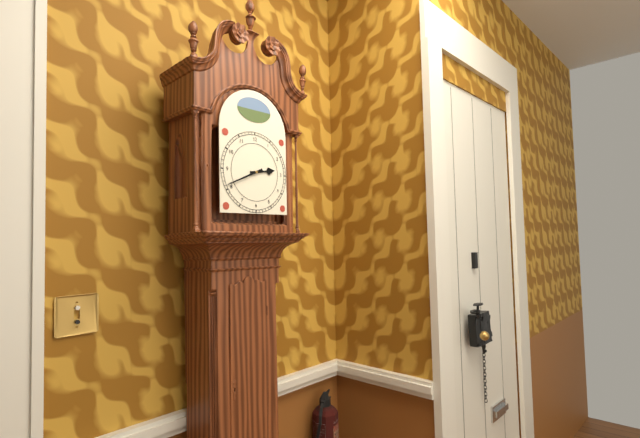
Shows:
2,41
